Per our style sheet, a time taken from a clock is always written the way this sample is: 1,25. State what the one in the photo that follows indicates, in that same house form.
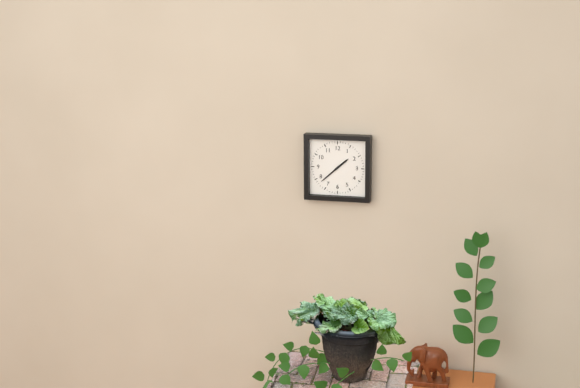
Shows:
1,38
